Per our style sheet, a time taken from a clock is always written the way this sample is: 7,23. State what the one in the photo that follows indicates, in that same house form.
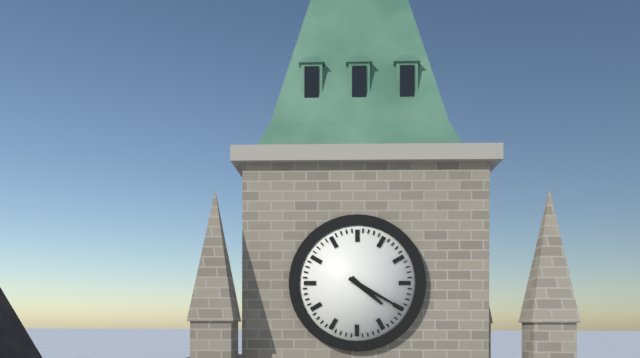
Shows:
4,20
